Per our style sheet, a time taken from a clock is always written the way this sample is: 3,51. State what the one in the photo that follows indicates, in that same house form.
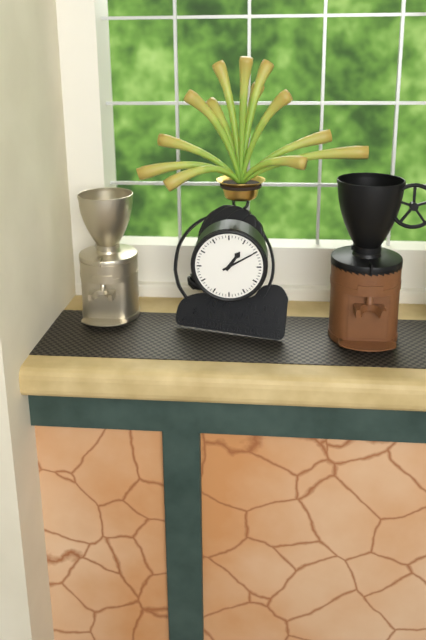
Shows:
1,10
